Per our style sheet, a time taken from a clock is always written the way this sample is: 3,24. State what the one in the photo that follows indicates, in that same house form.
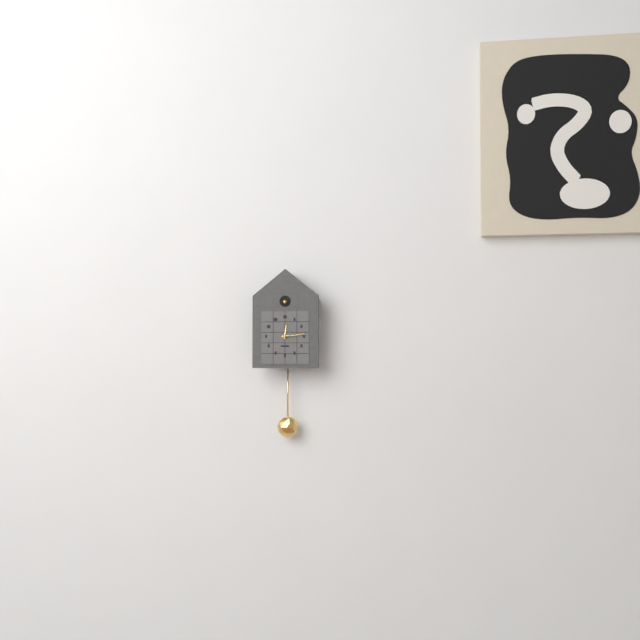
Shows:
12,14
